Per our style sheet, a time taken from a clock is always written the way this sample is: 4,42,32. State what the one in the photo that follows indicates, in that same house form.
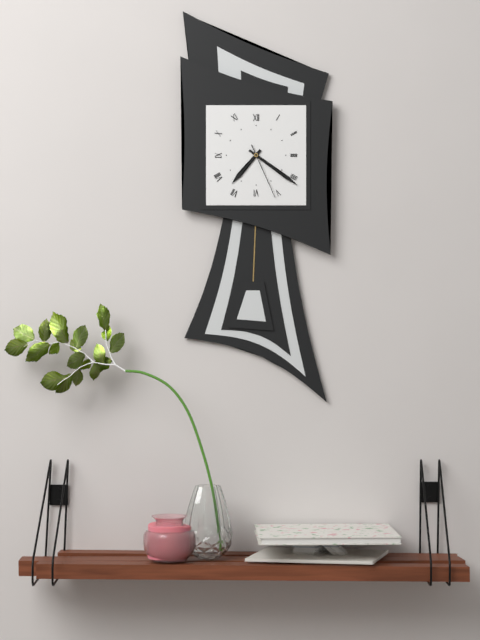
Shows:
7,21,26
